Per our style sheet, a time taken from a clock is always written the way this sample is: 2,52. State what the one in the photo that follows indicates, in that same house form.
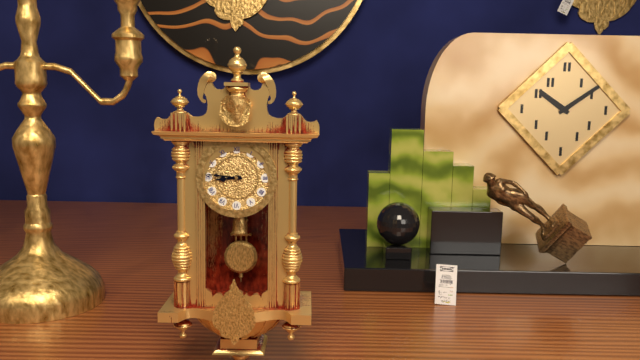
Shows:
8,46
